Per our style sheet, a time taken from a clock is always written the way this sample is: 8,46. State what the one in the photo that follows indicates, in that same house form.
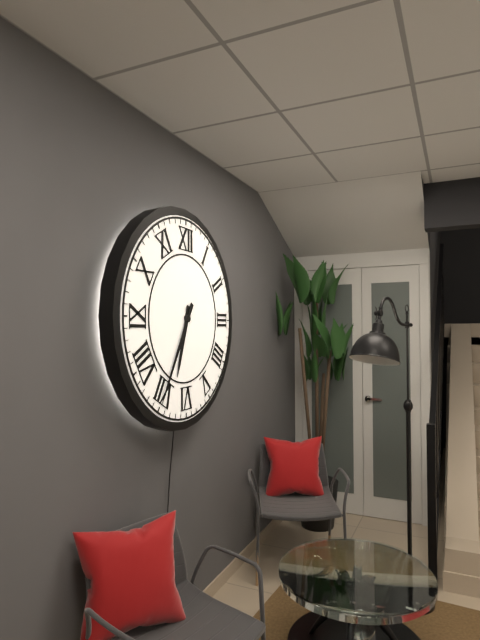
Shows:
6,35
